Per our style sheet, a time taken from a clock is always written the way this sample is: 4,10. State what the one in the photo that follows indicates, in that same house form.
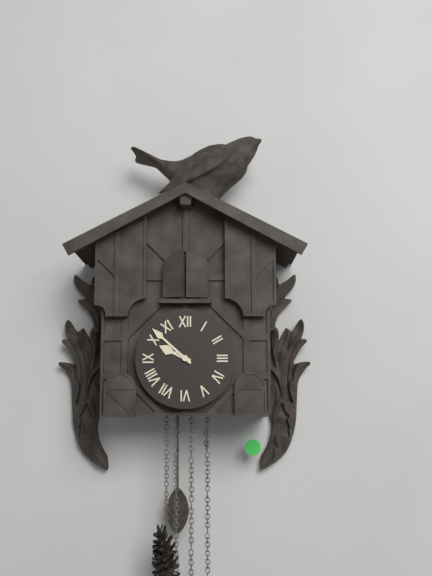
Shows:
9,52
